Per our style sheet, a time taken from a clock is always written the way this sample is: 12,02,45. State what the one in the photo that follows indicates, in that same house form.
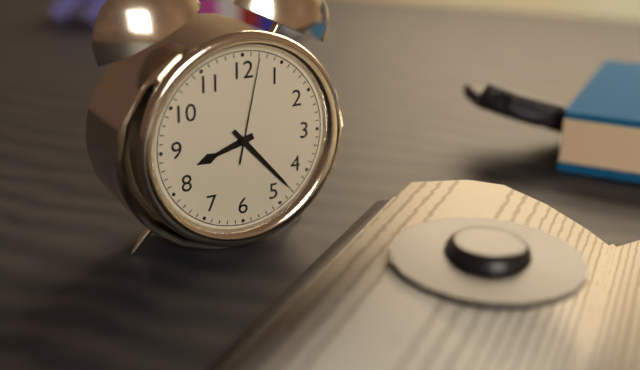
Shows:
8,23,02
